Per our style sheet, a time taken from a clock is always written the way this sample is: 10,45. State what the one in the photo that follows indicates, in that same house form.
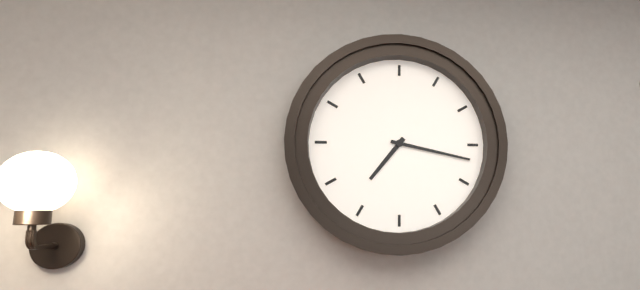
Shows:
7,17
